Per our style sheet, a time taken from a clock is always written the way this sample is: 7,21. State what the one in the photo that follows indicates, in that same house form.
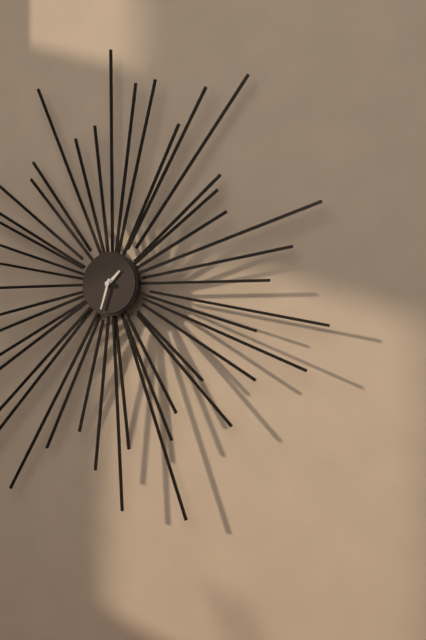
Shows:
1,33
